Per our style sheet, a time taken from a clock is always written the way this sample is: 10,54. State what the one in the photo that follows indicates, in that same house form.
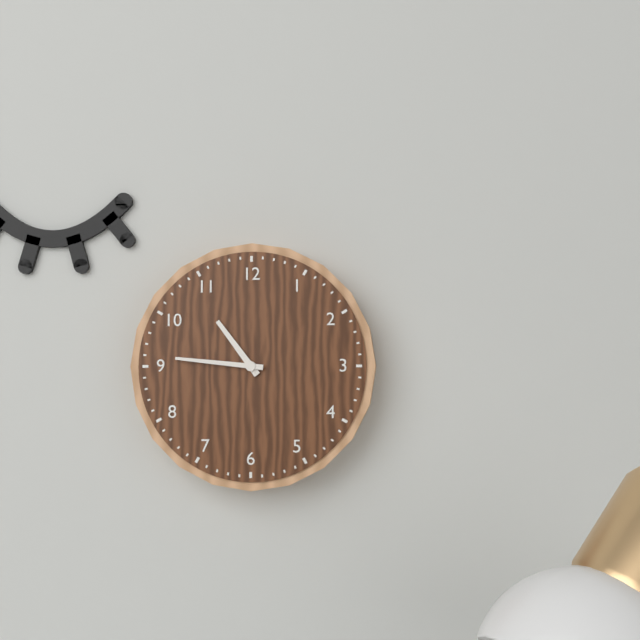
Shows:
10,46
